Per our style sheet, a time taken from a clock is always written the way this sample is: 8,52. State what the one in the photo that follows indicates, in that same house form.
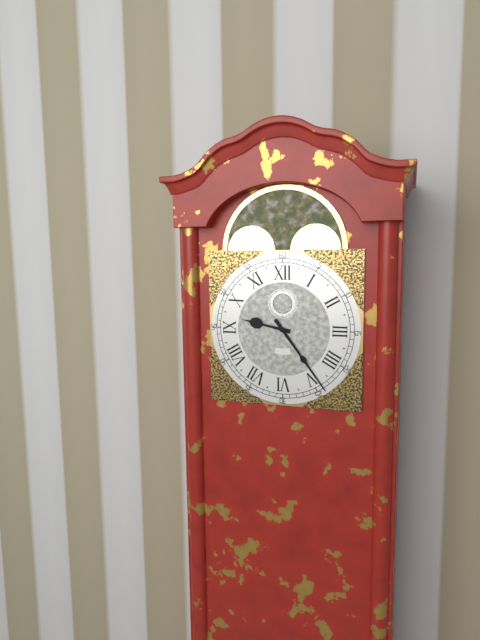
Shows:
9,24
